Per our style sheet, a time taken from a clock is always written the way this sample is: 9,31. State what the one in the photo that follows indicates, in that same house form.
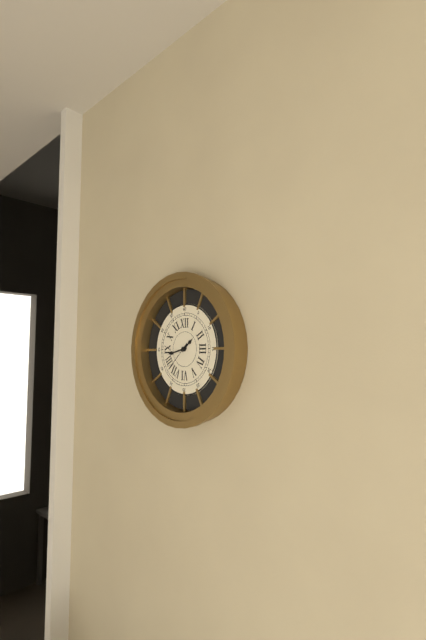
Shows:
1,43
